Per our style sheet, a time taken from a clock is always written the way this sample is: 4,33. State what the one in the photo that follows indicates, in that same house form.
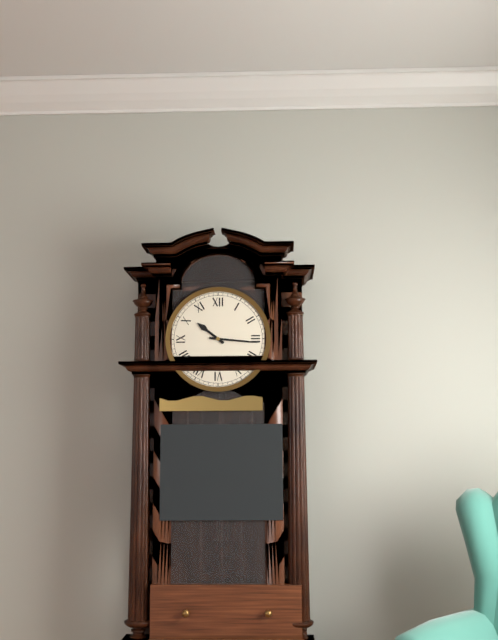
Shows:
10,16
